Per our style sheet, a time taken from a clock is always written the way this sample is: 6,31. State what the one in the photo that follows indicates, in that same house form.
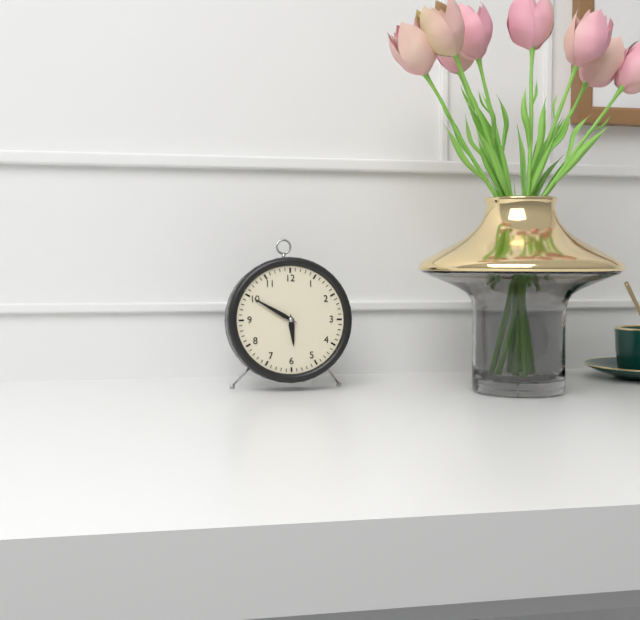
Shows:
5,50
